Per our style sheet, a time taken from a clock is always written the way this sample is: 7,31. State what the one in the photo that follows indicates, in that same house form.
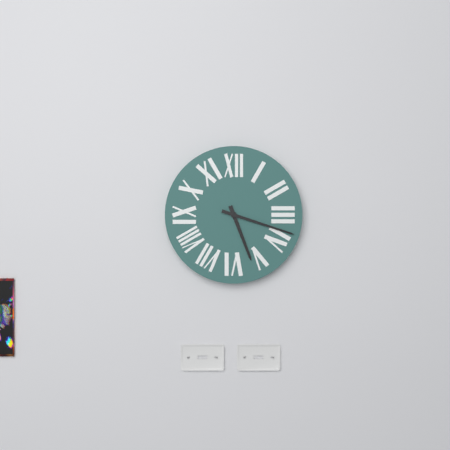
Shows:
5,18
